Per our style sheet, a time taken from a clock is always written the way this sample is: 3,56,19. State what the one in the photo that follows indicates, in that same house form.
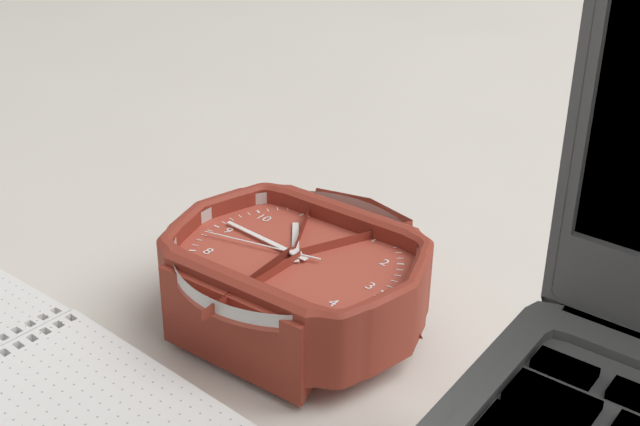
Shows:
10,46,43
